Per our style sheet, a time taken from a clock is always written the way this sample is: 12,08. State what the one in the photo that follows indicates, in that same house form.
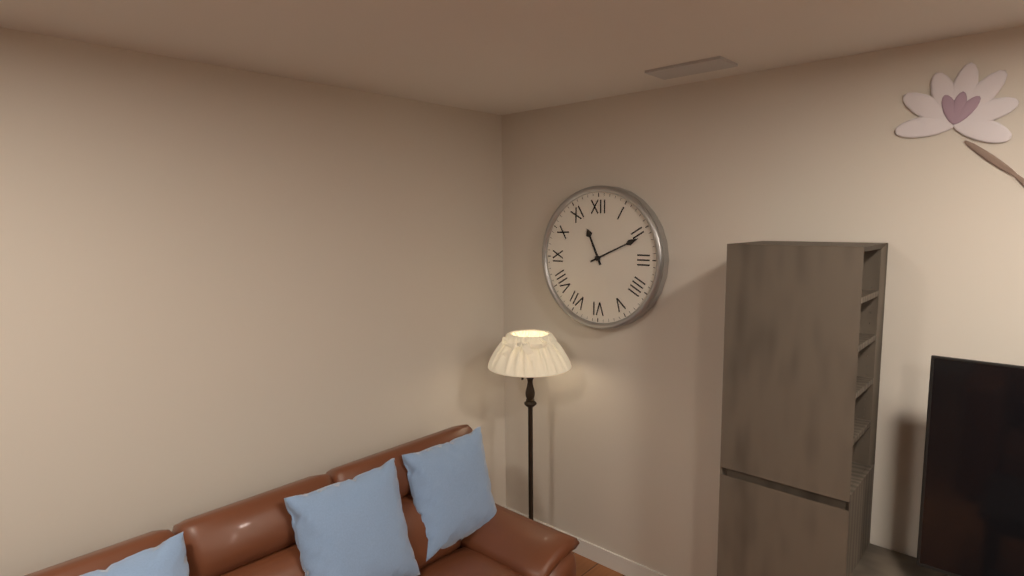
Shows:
11,11
